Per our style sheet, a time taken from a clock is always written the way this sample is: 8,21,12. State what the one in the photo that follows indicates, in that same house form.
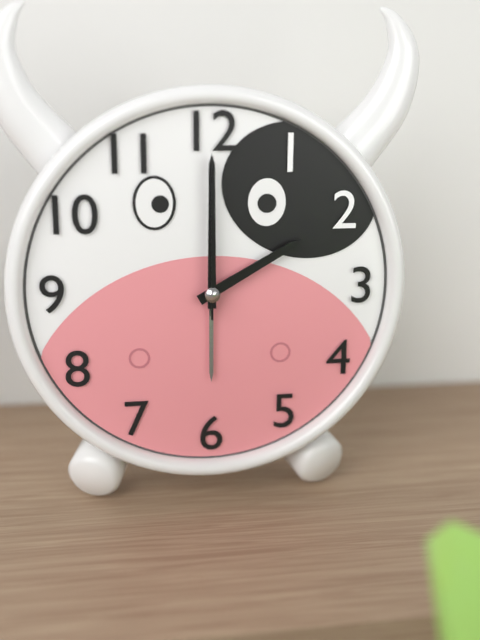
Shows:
2,00,00
